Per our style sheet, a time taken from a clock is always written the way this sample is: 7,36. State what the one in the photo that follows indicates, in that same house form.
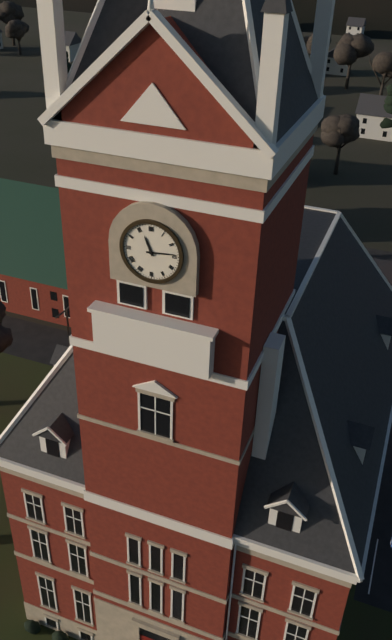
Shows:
11,14
